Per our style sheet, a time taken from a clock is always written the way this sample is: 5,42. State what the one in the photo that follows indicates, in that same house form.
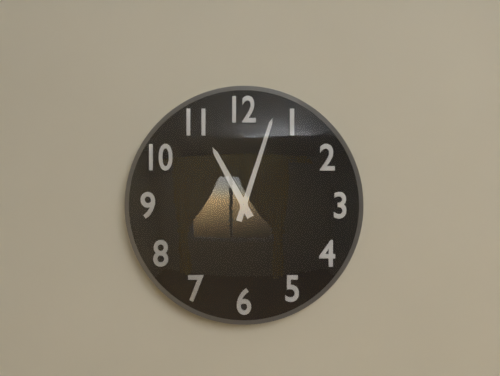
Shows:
11,03
